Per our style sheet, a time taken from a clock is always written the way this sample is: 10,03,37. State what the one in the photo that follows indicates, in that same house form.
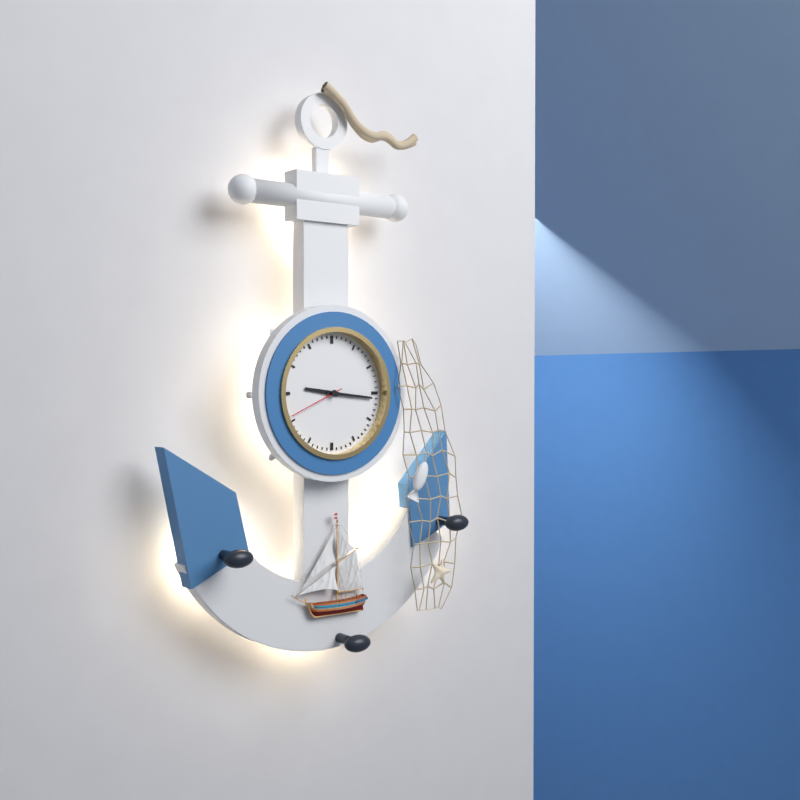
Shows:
9,16,41
